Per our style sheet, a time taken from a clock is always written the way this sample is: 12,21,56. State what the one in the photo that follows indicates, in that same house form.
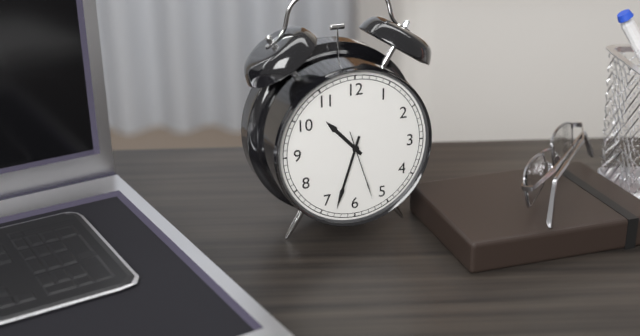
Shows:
10,33,27
